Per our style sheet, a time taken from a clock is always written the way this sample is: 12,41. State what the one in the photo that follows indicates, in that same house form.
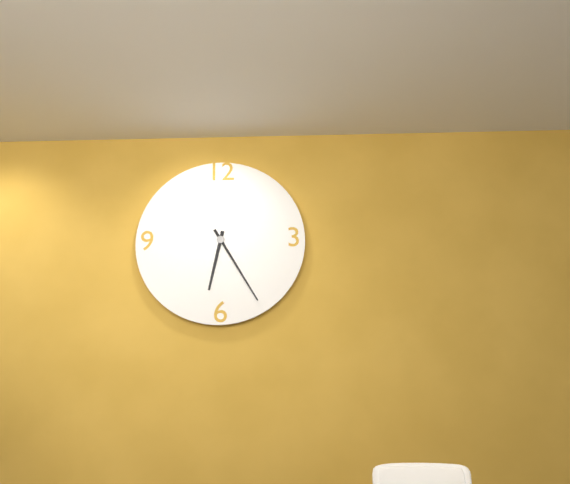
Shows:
6,25
